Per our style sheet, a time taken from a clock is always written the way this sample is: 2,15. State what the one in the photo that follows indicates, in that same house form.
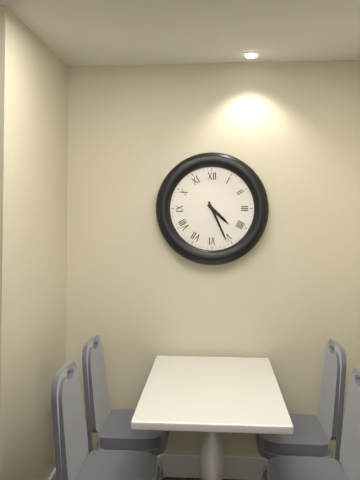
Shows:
4,26
